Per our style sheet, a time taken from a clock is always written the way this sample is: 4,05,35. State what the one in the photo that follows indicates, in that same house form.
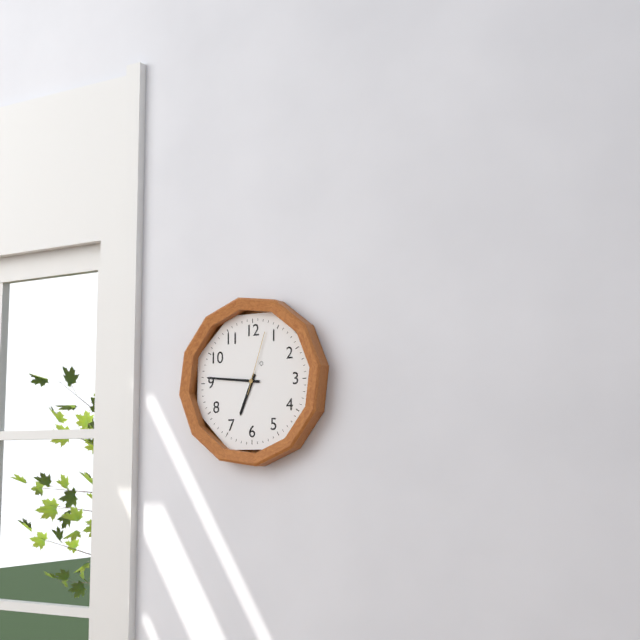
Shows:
6,46,03
